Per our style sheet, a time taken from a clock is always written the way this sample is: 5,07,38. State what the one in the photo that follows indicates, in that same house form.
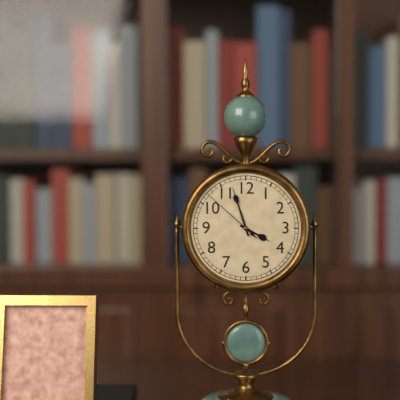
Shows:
3,57,52
